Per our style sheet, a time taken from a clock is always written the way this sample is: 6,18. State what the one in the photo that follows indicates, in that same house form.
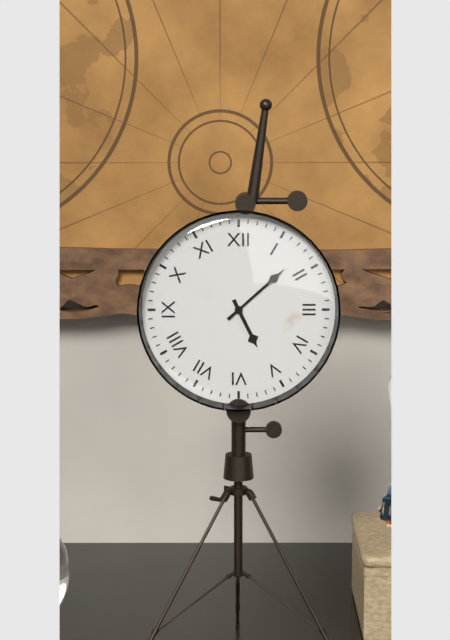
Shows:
5,08
